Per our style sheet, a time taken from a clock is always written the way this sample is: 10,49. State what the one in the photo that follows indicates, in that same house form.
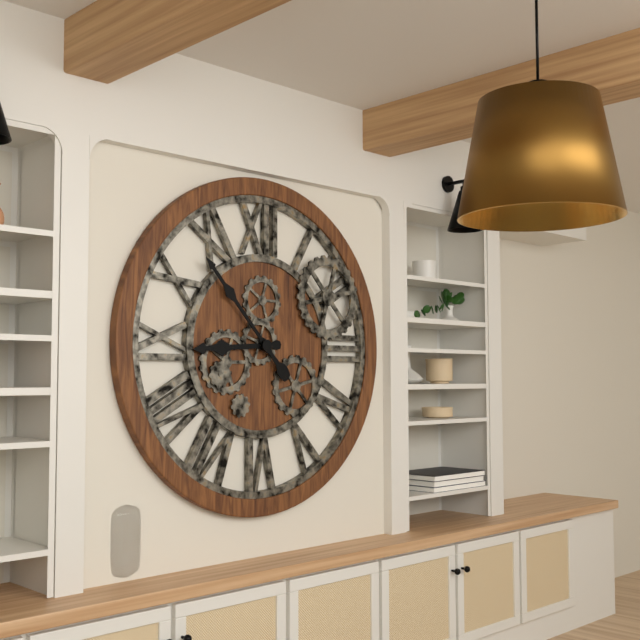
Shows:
8,53
